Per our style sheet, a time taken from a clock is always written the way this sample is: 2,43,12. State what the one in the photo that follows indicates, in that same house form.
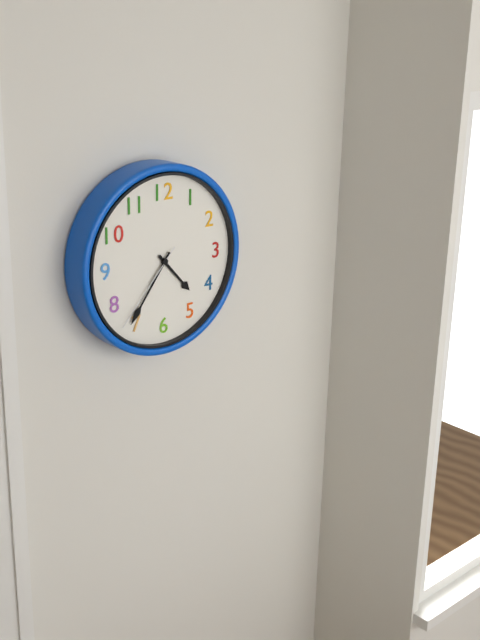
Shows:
4,36,37
